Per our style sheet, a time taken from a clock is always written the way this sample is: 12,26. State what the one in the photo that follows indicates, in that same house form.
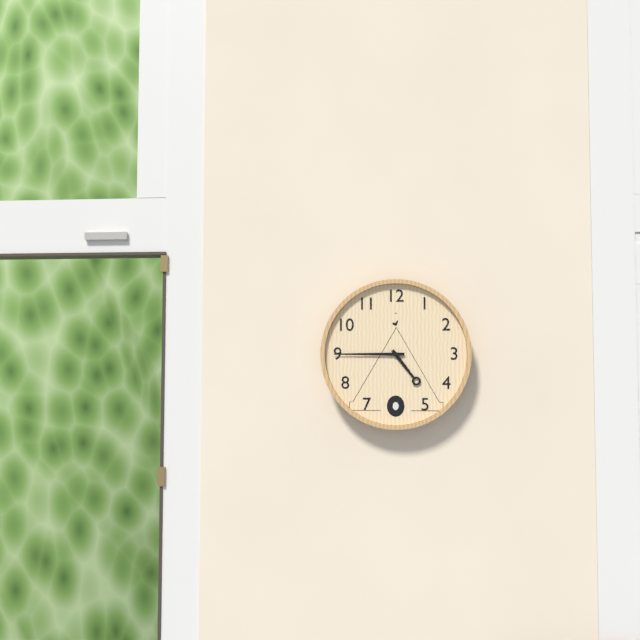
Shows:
4,45
